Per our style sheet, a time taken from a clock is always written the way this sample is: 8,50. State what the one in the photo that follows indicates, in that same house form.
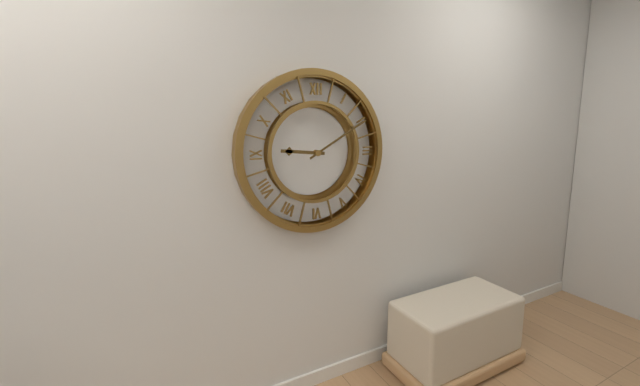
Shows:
9,10
